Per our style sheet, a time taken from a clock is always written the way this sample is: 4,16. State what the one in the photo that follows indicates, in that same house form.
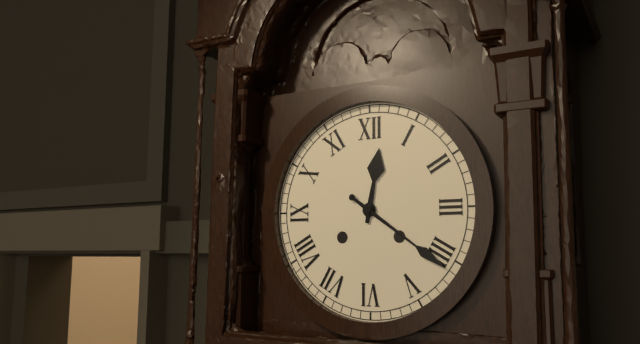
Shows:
12,21
